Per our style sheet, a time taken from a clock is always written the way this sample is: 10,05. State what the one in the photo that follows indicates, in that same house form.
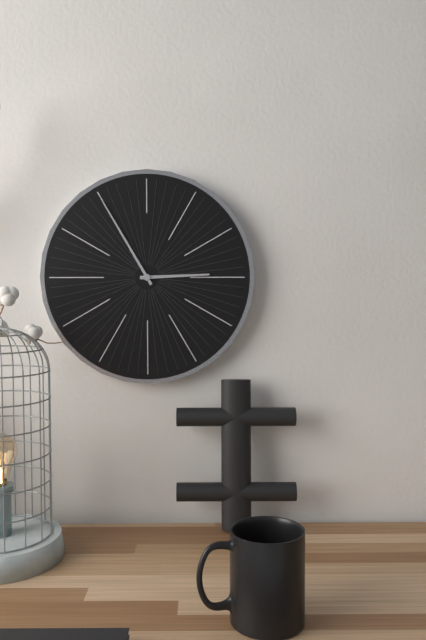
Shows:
2,55
